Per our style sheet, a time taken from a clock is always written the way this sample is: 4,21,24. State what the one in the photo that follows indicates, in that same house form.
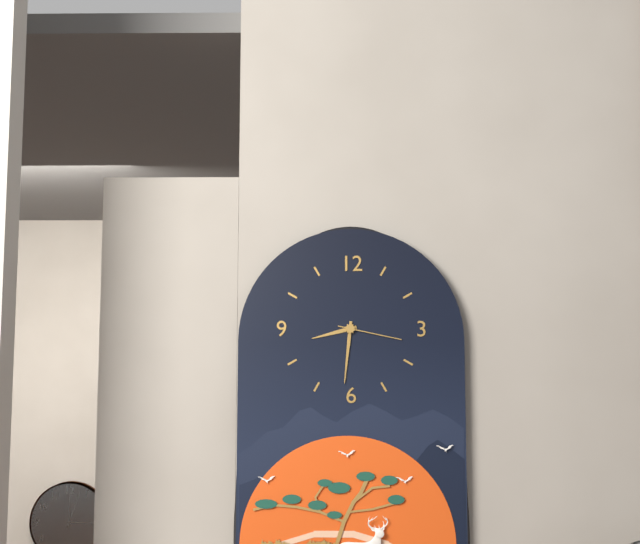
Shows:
8,31,17
